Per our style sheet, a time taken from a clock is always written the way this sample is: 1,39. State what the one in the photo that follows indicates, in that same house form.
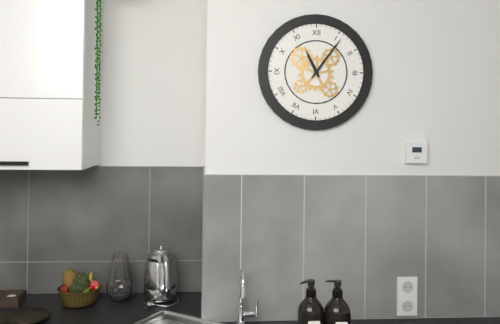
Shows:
11,06
